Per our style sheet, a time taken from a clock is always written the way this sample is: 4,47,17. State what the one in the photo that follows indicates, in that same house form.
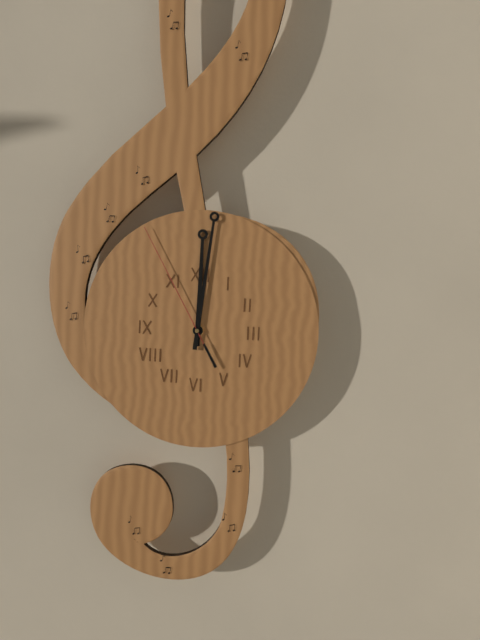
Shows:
12,01,55
